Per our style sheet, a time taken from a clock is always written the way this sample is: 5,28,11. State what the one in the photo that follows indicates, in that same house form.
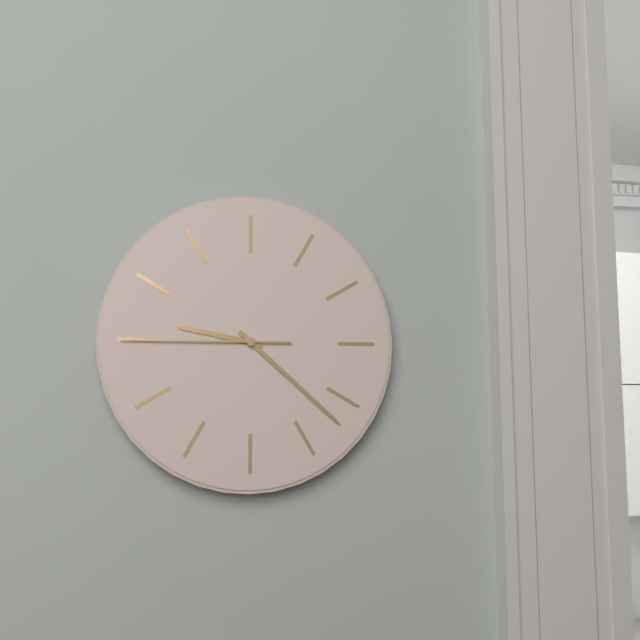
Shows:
9,22,45
